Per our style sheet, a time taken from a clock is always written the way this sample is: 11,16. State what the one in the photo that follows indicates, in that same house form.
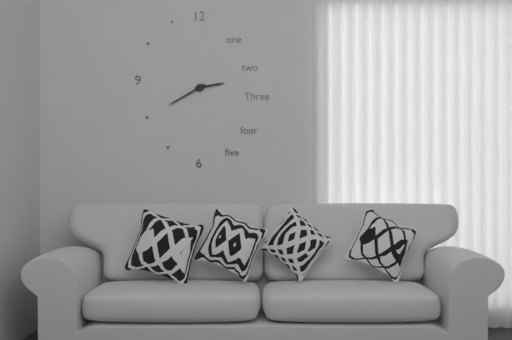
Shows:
2,40
